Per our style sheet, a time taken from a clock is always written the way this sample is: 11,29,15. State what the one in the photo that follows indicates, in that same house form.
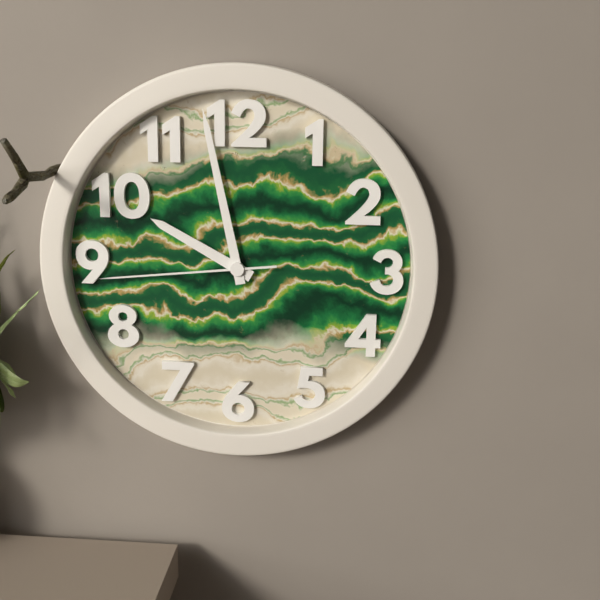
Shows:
9,58,44
